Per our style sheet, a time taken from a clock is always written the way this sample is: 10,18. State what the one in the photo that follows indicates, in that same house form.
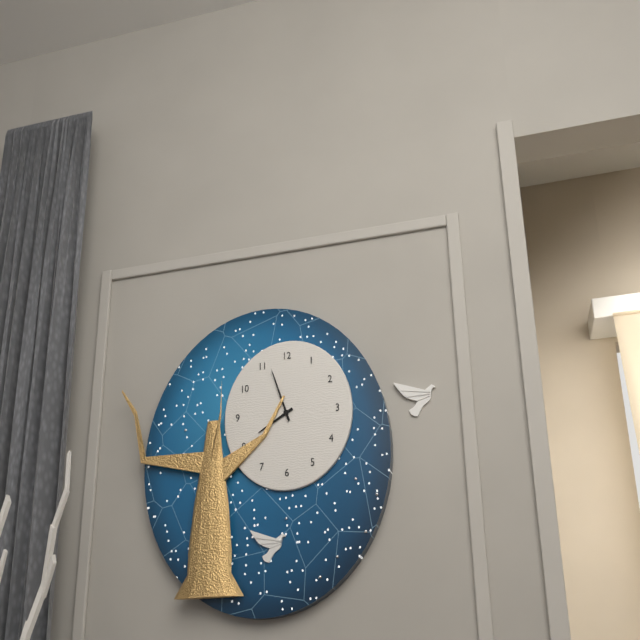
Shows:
7,57
